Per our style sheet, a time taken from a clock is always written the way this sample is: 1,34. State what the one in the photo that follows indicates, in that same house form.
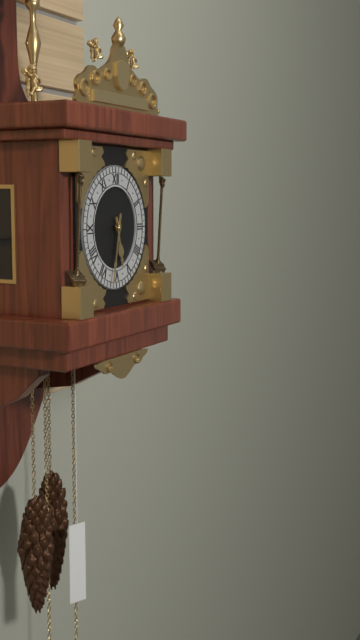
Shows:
5,32
